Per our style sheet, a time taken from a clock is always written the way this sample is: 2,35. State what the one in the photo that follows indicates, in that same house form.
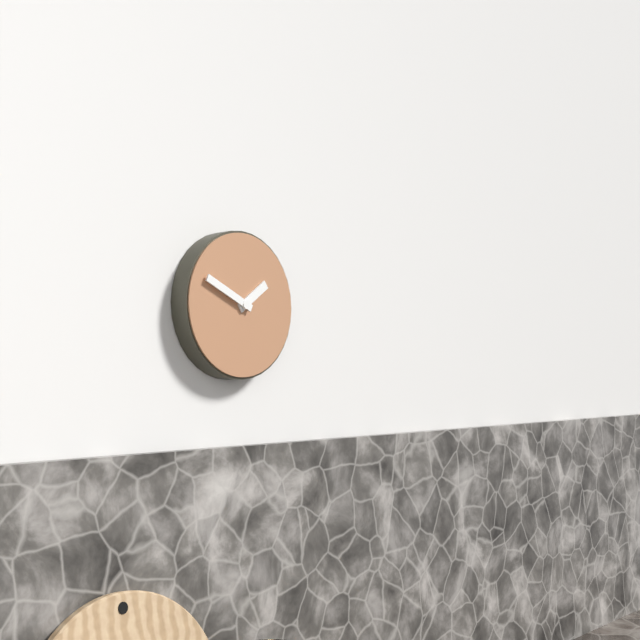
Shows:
1,49
